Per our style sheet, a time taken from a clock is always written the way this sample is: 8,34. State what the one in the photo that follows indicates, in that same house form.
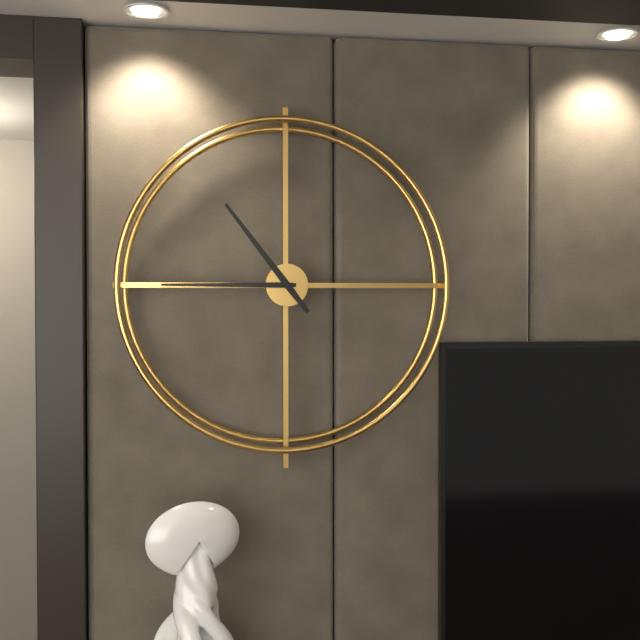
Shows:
10,45
